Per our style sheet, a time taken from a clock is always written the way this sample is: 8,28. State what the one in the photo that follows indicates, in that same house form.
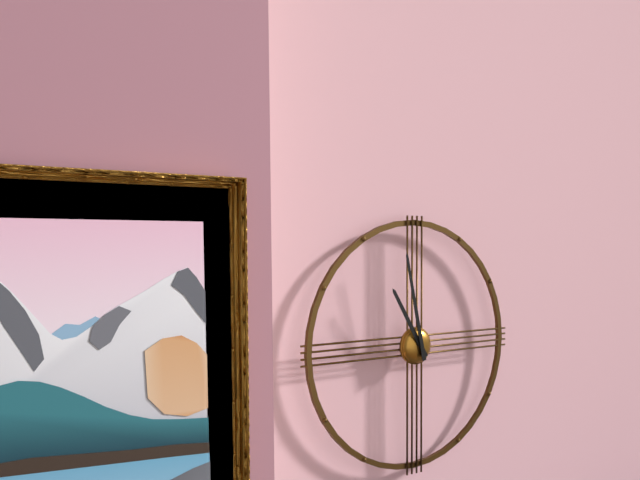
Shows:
10,58
